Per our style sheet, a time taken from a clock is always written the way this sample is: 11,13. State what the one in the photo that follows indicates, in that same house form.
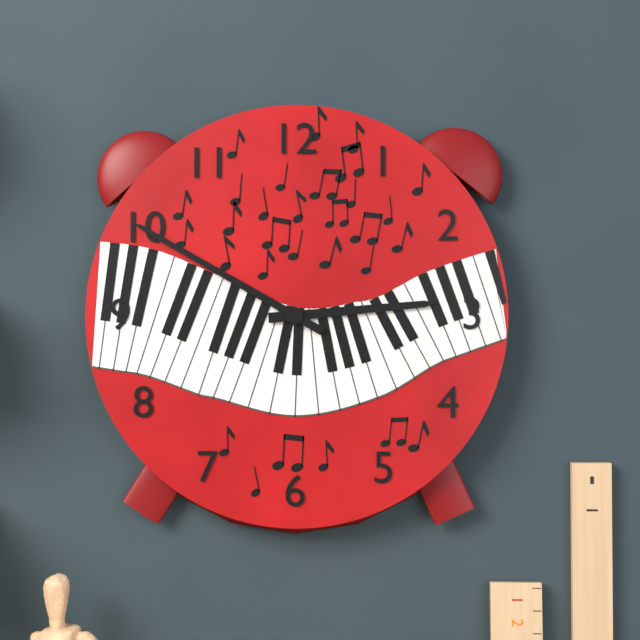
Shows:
2,50
